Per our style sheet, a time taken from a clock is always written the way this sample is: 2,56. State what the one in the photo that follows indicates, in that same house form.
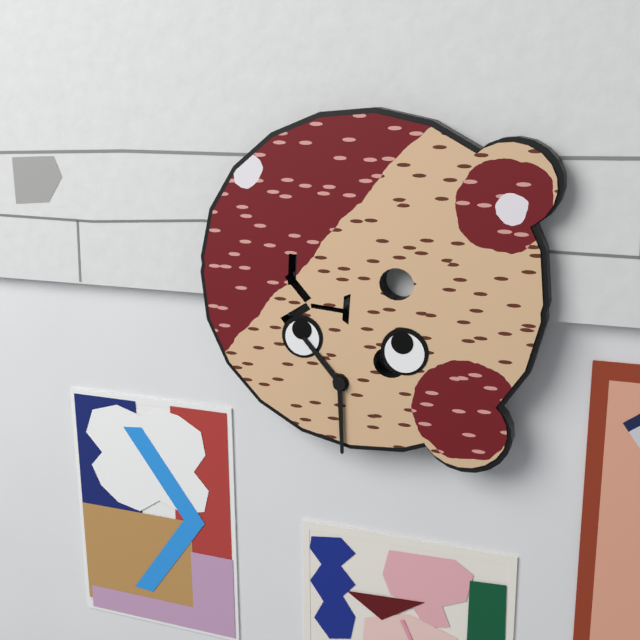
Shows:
10,29
